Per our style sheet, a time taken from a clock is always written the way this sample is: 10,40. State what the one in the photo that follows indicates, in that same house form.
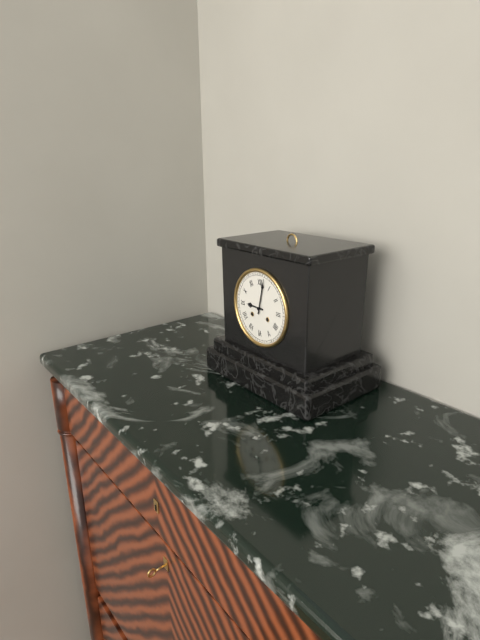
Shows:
9,02
